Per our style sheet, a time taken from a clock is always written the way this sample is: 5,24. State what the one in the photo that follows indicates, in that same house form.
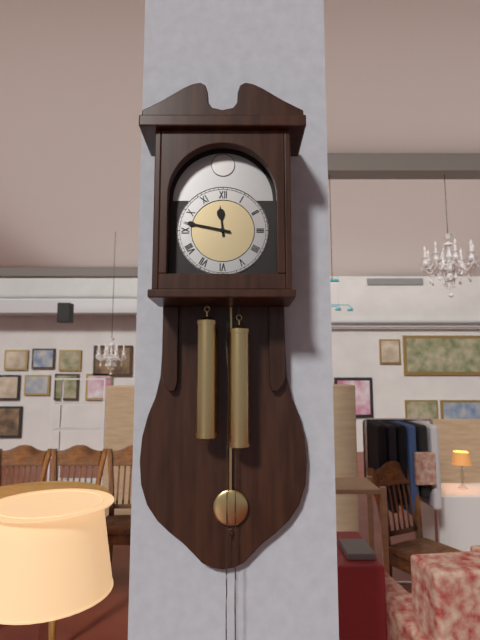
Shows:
11,47
